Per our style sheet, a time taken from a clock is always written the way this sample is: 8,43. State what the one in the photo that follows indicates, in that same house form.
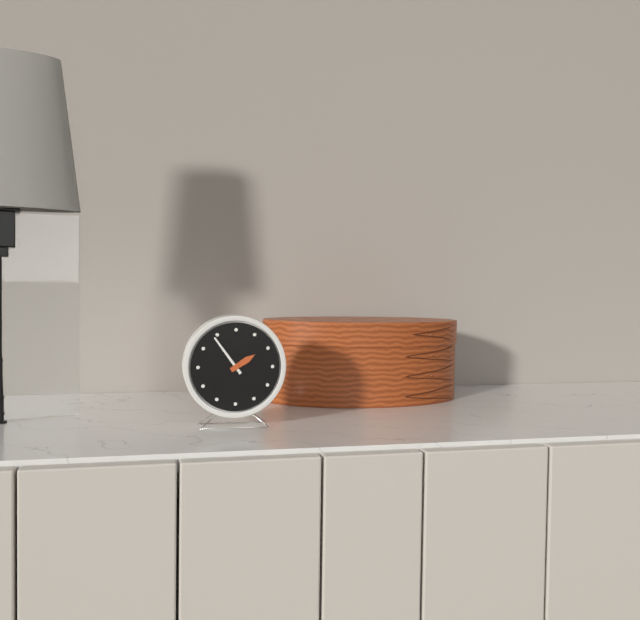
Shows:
1,54
